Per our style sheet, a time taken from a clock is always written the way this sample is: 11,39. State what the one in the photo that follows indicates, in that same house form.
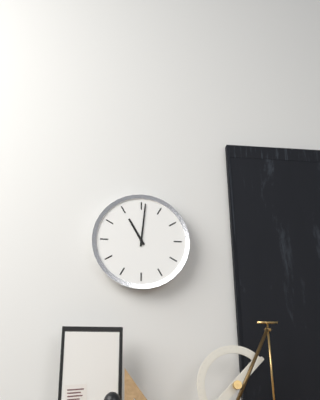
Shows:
11,01
